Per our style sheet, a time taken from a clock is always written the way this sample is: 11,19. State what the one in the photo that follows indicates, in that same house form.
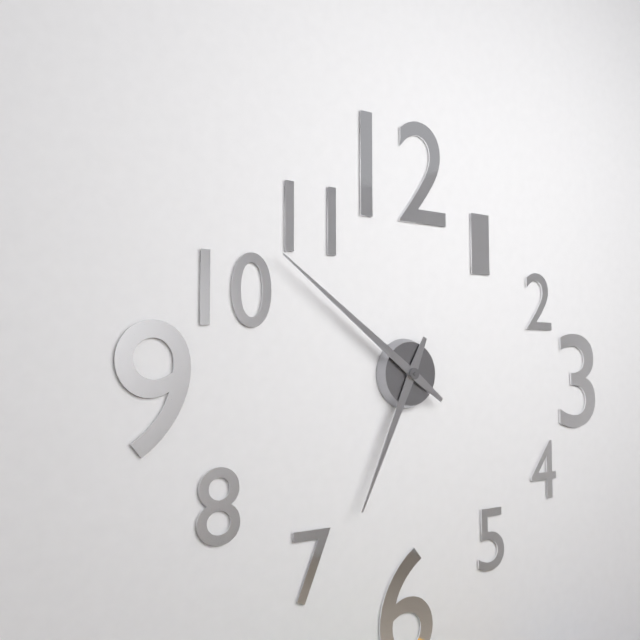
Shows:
6,51
